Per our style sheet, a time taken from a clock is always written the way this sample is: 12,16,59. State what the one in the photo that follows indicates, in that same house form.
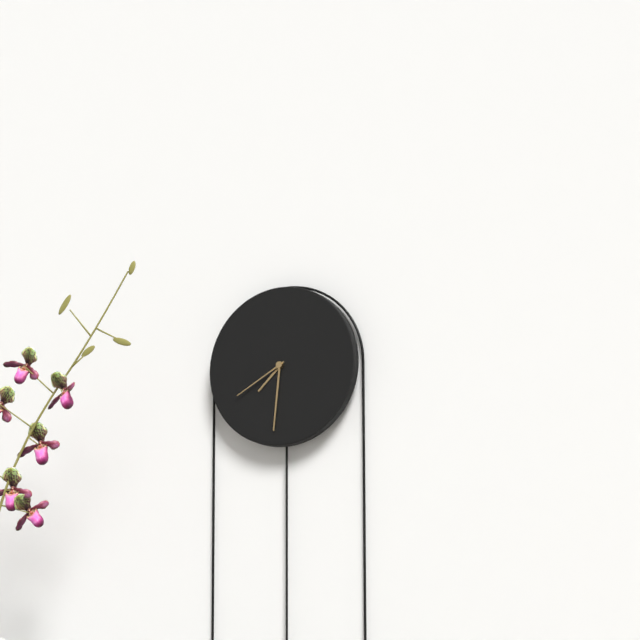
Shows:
7,31,40
